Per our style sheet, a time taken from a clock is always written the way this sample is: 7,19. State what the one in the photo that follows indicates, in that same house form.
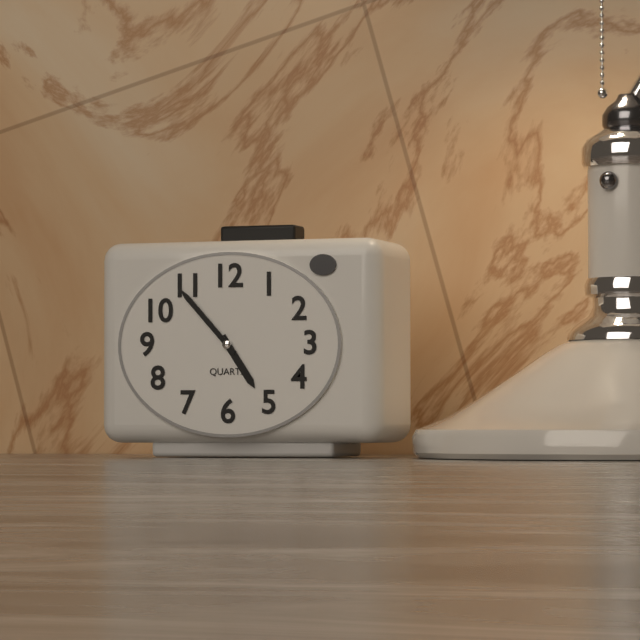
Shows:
4,53
